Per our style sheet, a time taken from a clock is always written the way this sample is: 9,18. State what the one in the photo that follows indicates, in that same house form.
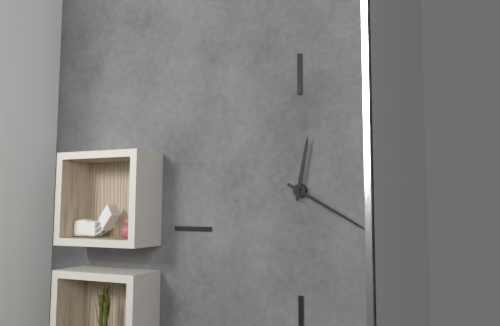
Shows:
12,20
